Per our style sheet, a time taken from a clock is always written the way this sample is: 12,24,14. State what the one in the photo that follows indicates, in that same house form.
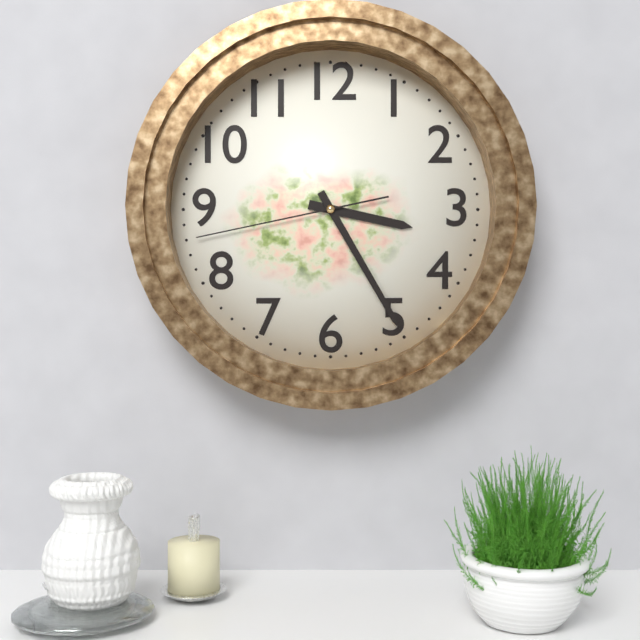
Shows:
3,25,43
